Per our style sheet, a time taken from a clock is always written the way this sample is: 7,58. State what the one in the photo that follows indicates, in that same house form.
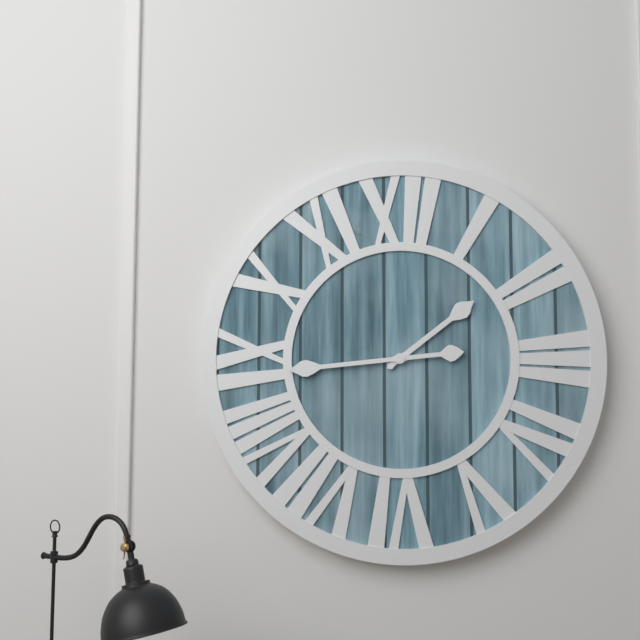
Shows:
1,44
